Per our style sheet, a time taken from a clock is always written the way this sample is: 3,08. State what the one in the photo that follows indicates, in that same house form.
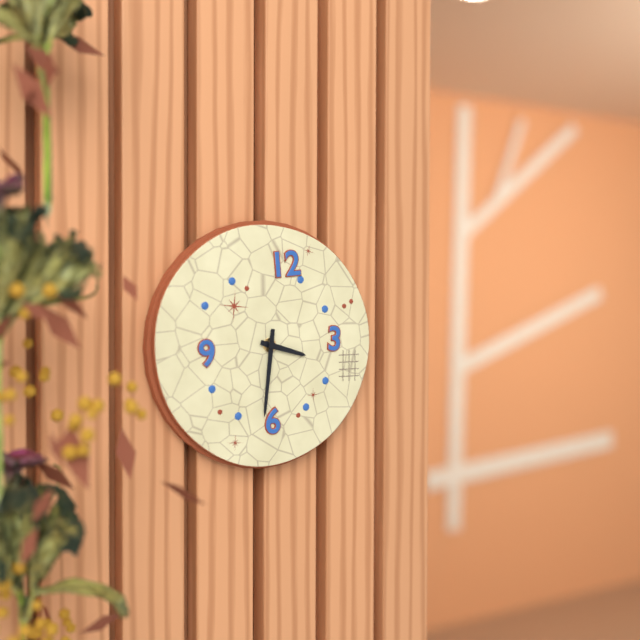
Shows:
3,31
